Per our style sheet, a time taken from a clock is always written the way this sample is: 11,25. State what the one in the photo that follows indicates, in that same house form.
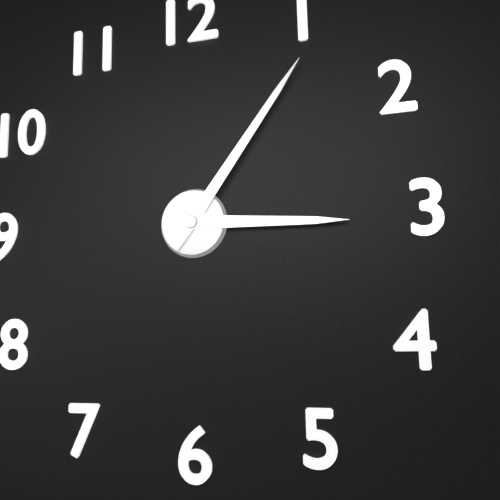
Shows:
3,06
